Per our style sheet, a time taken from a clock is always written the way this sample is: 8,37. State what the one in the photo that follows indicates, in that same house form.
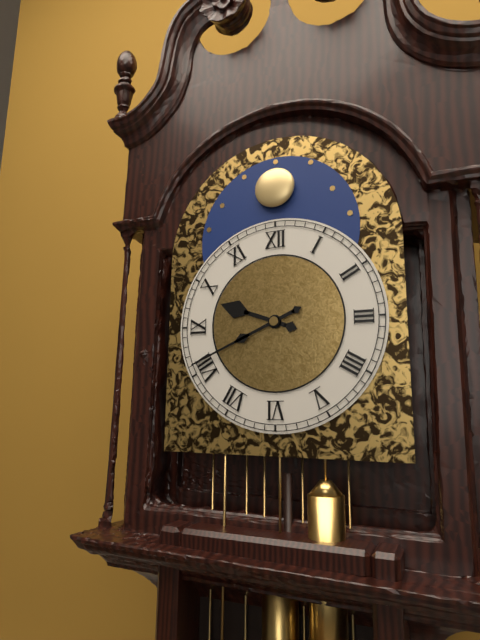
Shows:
9,41
